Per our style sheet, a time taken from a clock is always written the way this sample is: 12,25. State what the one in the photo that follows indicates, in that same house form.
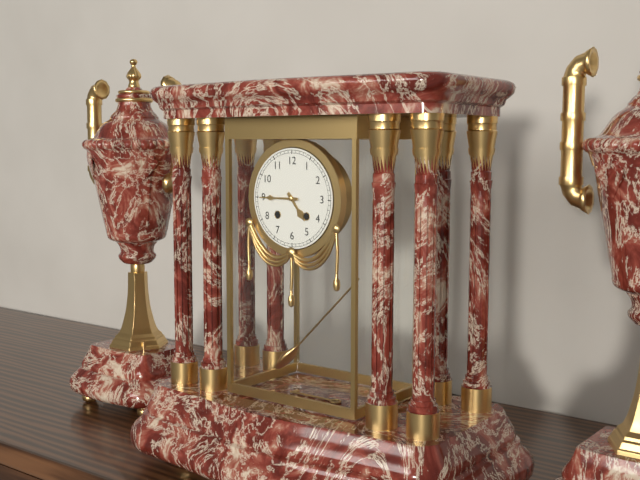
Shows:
4,45
